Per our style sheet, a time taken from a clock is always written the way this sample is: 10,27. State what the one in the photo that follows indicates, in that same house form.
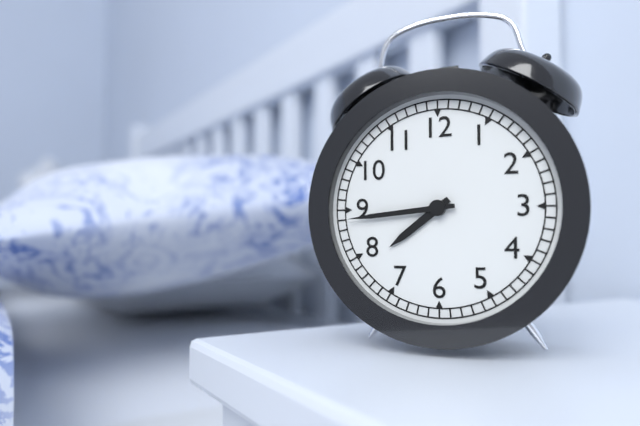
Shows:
7,44
